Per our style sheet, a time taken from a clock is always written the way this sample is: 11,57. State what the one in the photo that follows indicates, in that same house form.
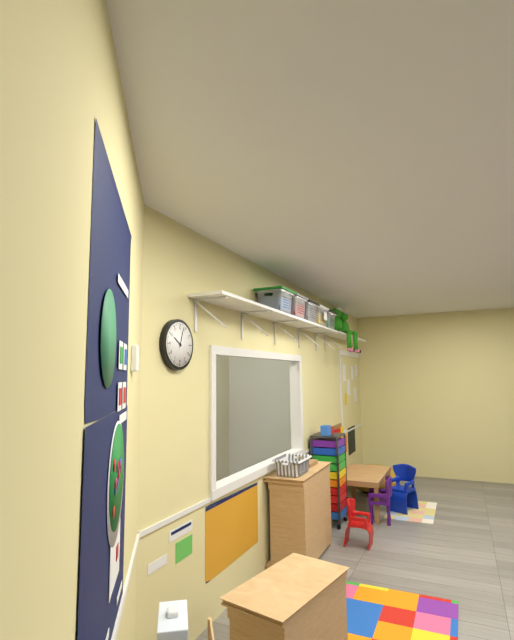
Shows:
10,03
